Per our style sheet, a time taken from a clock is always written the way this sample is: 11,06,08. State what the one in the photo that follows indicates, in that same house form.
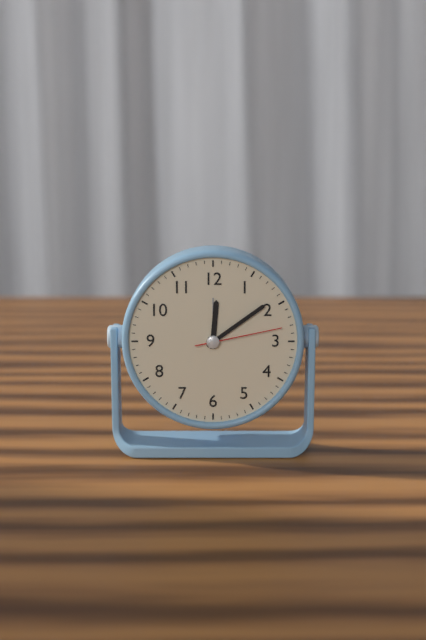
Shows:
12,09,13
